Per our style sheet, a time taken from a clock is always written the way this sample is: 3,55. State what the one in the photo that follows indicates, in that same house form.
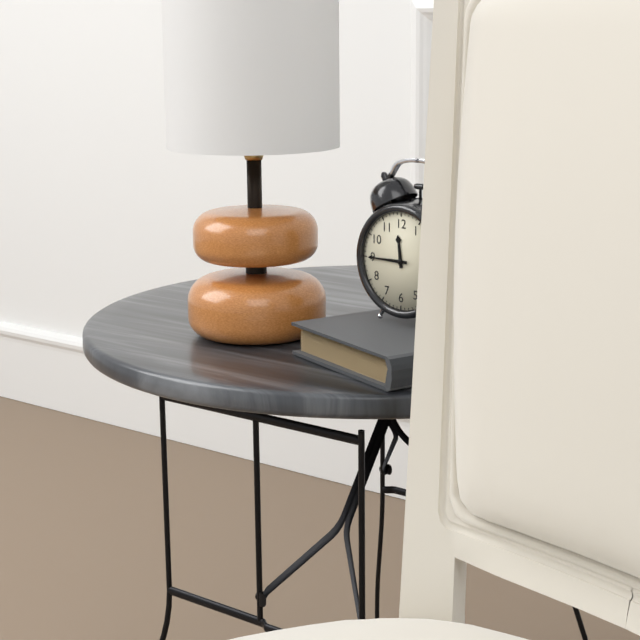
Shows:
11,45
